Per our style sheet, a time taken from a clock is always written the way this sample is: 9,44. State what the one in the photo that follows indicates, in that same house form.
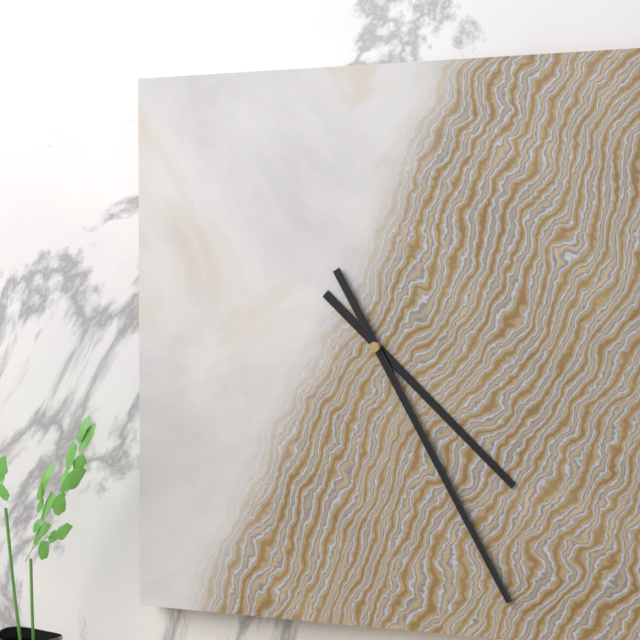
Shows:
4,25
